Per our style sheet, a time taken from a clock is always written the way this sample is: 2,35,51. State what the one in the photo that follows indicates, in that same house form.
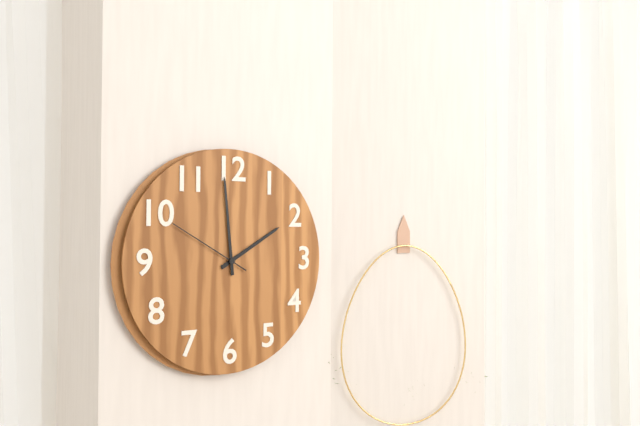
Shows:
1,59,50
